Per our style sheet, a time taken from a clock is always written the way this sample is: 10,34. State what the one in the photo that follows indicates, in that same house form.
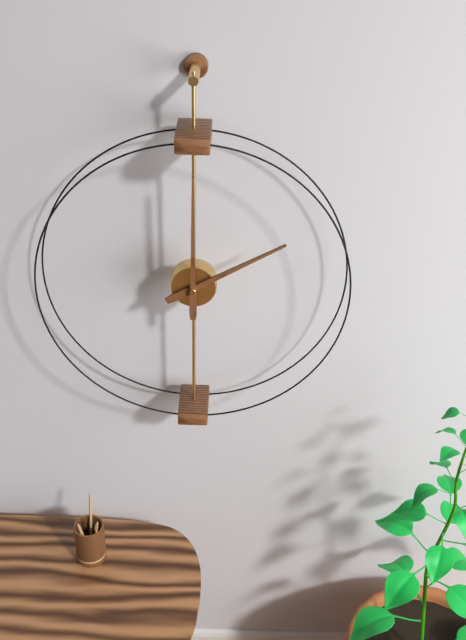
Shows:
2,00
